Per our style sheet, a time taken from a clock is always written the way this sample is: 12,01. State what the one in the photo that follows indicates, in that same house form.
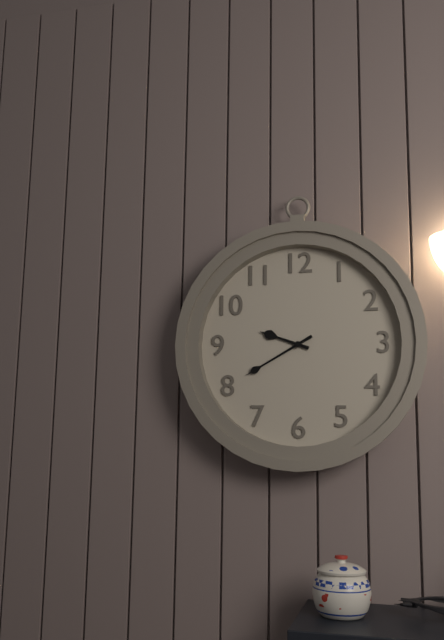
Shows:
9,40
